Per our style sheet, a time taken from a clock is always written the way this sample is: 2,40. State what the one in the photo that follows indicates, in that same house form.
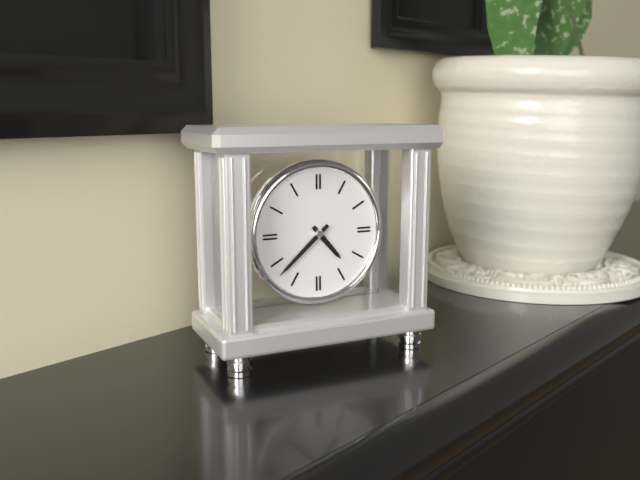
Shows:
4,38
